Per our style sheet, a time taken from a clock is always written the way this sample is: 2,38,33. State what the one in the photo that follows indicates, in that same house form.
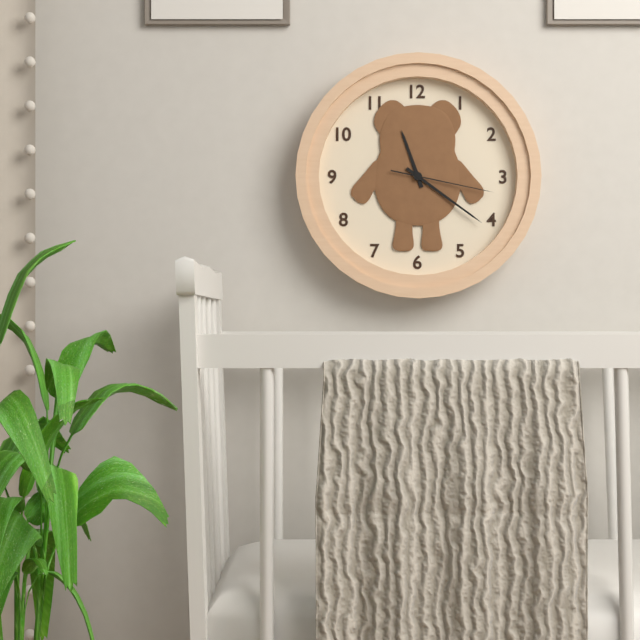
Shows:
11,21,17
